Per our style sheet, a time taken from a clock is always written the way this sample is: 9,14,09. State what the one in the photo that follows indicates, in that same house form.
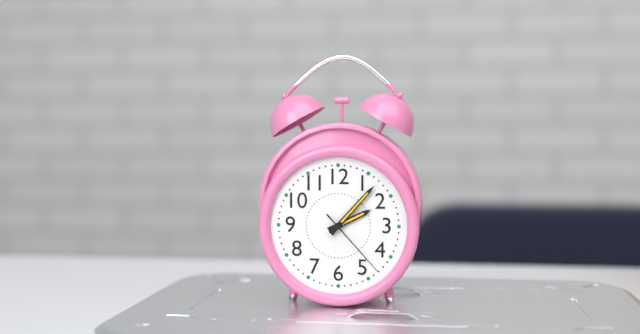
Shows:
2,07,23
